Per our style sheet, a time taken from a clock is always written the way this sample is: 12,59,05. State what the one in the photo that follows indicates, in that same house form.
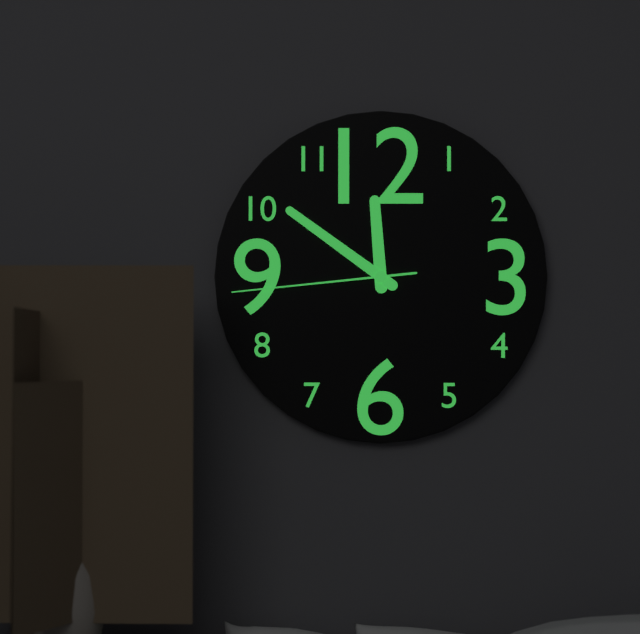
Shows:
11,51,44
